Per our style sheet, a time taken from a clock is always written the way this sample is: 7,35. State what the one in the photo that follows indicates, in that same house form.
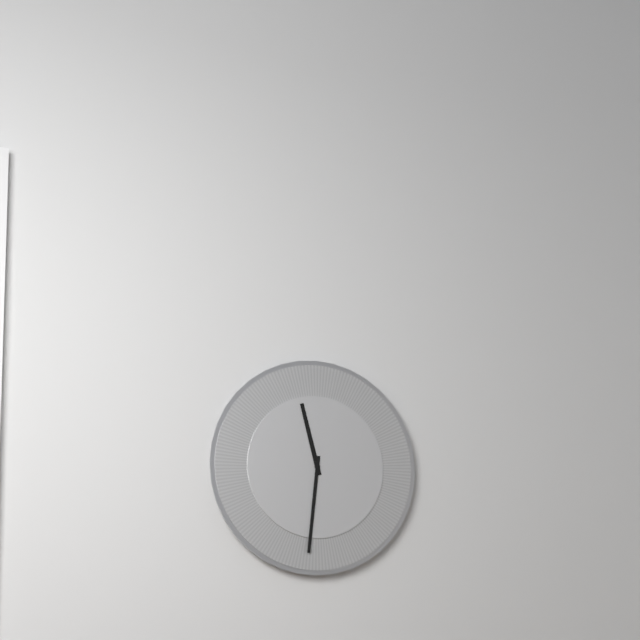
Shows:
11,31
